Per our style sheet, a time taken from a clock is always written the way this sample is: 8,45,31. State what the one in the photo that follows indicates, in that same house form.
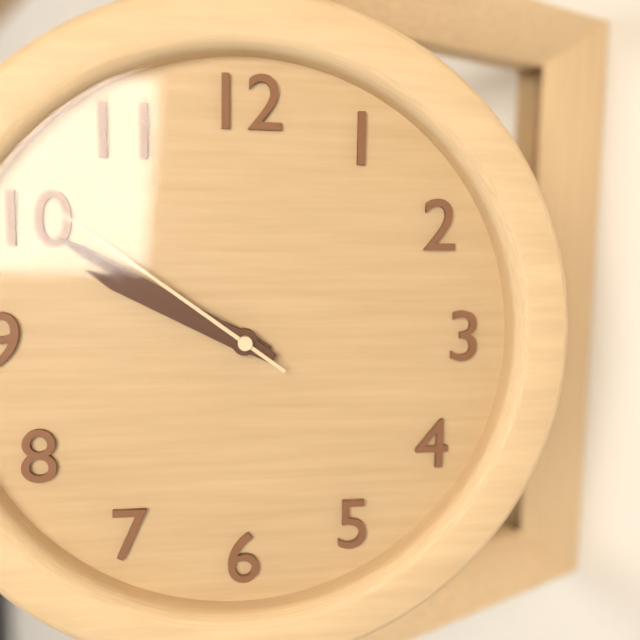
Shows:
9,50,51
